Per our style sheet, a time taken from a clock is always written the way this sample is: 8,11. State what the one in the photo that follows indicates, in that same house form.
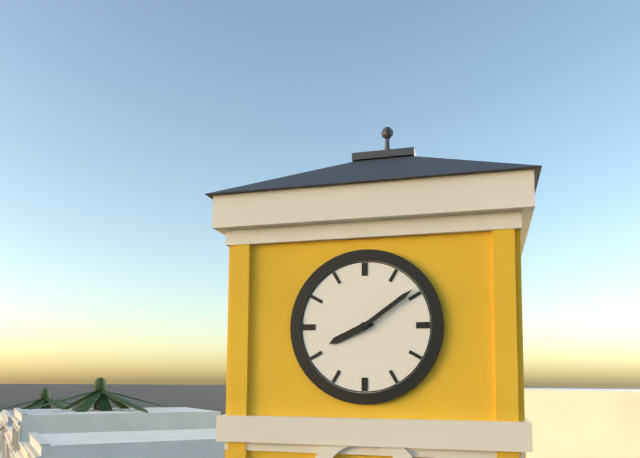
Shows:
8,09
